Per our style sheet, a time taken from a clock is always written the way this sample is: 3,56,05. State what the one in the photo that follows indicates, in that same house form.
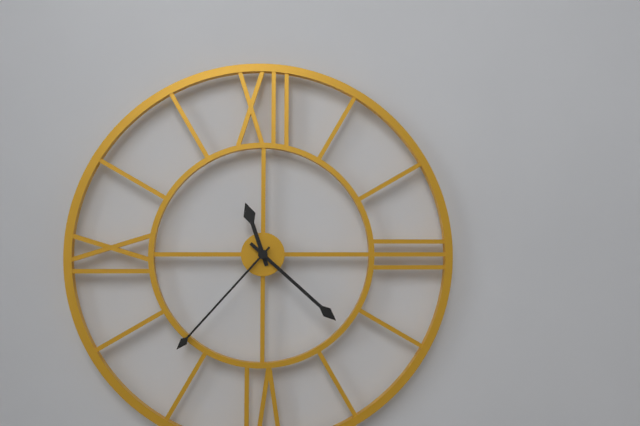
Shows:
11,22,37
